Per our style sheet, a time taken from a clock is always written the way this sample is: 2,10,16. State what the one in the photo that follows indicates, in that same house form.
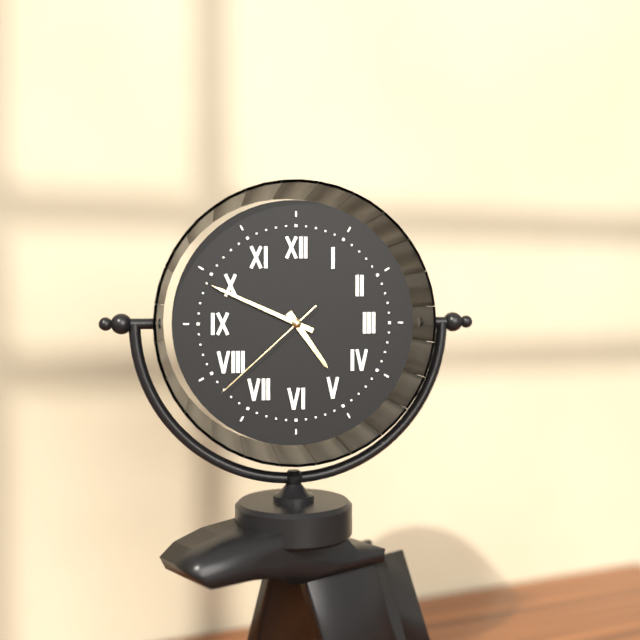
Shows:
4,49,38
